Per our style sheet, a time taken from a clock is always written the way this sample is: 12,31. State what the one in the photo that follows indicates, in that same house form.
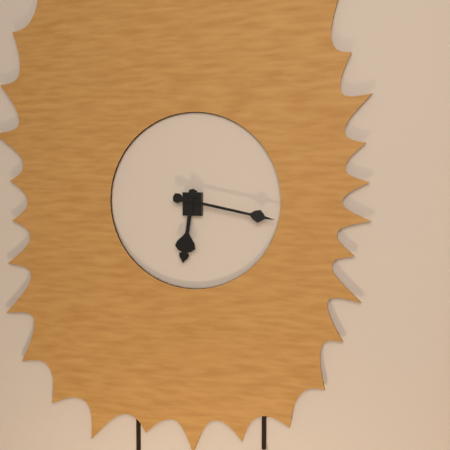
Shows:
6,17
